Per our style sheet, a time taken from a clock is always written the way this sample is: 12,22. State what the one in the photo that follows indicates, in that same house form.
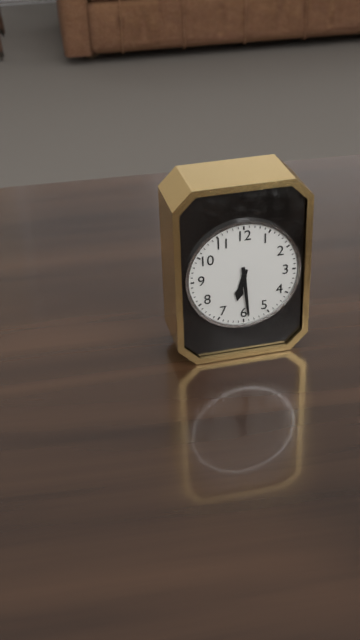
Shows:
6,29
